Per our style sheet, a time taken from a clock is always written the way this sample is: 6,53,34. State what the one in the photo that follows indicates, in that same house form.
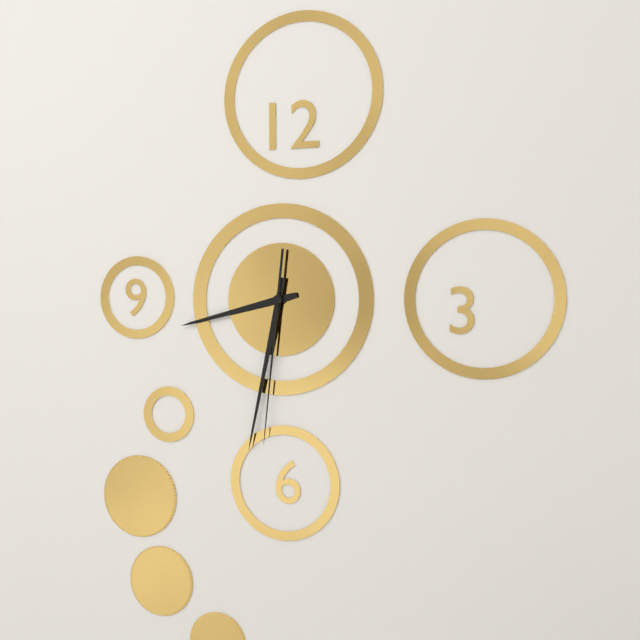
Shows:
8,32,31
